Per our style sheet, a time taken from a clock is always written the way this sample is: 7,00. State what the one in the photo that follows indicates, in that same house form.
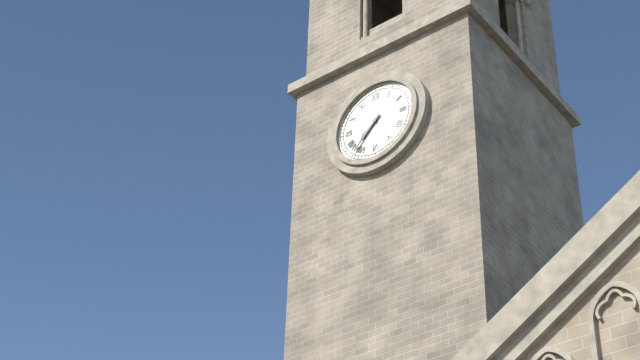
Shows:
7,37
